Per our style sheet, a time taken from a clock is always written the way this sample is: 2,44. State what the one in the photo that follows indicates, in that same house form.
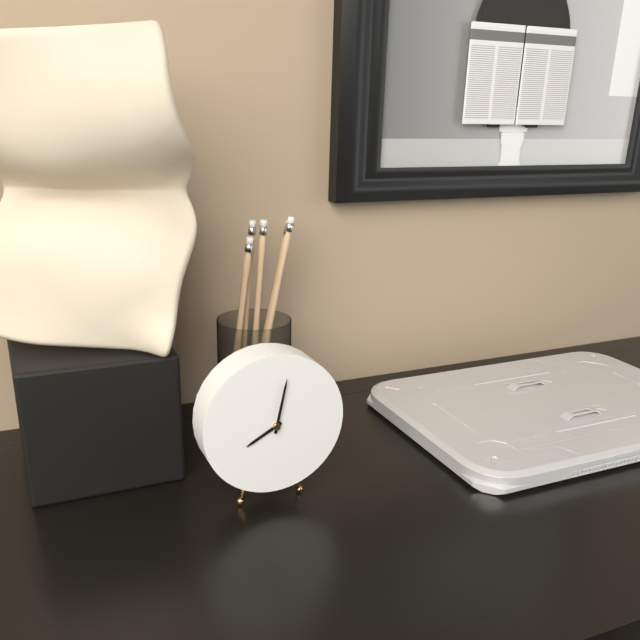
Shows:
8,02
